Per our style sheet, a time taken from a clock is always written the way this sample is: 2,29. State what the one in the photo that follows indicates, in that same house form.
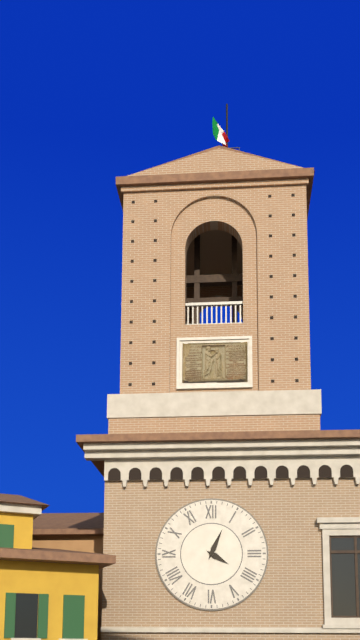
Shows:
4,04
